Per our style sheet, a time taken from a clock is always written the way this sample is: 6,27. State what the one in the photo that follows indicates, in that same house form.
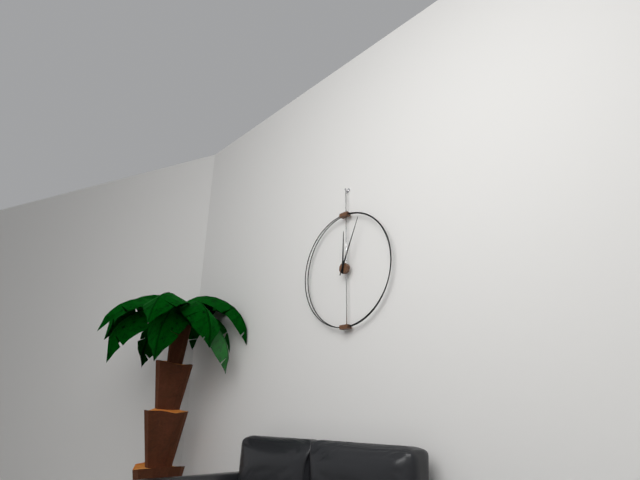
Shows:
12,04
